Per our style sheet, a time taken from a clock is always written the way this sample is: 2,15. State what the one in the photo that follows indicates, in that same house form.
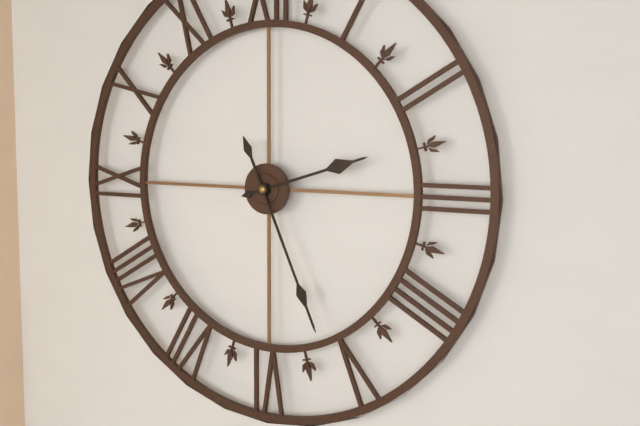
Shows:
2,26
